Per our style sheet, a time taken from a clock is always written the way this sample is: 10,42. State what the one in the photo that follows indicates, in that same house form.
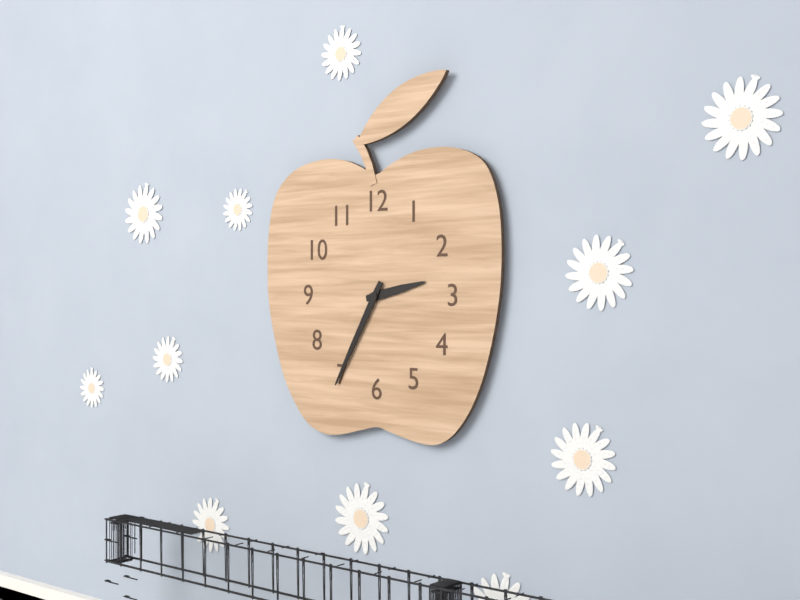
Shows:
2,35
